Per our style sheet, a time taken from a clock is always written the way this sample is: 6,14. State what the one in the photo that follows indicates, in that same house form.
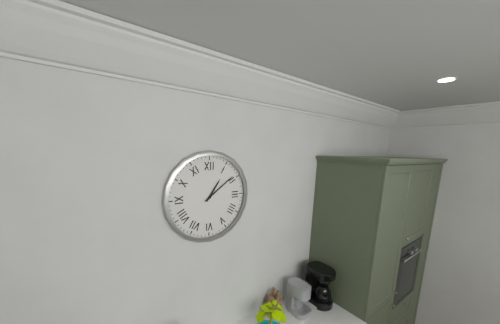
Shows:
1,09
